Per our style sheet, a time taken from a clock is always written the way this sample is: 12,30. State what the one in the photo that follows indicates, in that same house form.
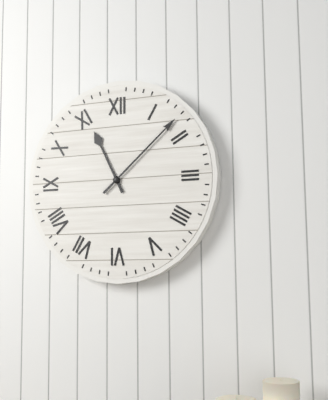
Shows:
11,08
